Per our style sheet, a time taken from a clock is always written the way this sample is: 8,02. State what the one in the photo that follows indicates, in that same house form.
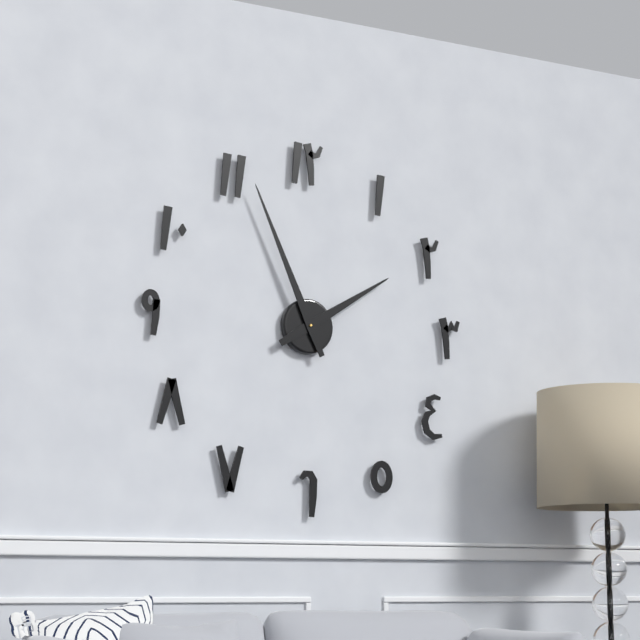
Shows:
1,56
